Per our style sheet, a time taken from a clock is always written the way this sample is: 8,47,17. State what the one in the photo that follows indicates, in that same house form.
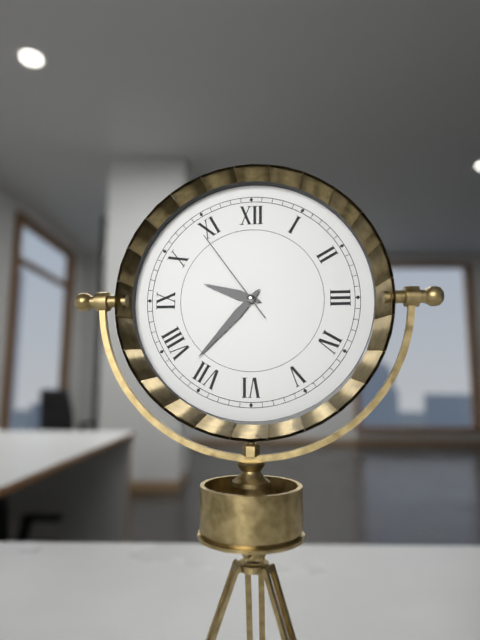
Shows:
9,37,54
